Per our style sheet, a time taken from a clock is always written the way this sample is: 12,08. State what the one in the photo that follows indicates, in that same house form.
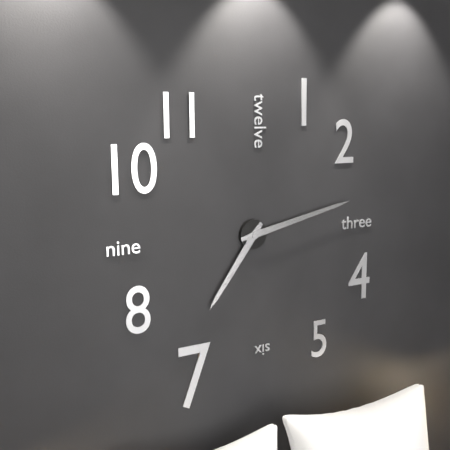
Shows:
7,13
